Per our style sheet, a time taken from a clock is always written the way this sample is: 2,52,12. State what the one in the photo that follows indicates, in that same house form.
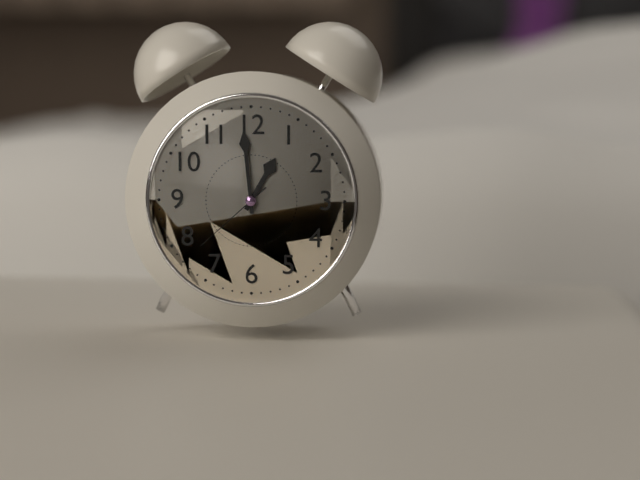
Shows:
12,59,38
